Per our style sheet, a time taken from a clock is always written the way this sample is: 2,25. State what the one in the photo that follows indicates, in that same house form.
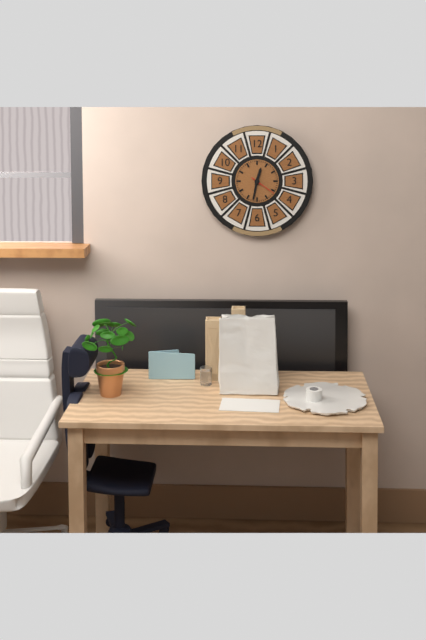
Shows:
12,32
